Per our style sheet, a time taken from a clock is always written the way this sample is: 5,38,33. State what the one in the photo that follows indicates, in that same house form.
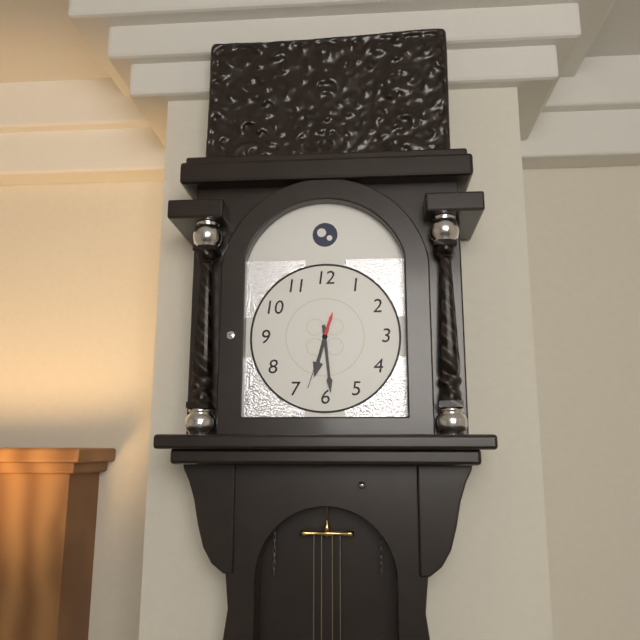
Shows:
6,29,33
